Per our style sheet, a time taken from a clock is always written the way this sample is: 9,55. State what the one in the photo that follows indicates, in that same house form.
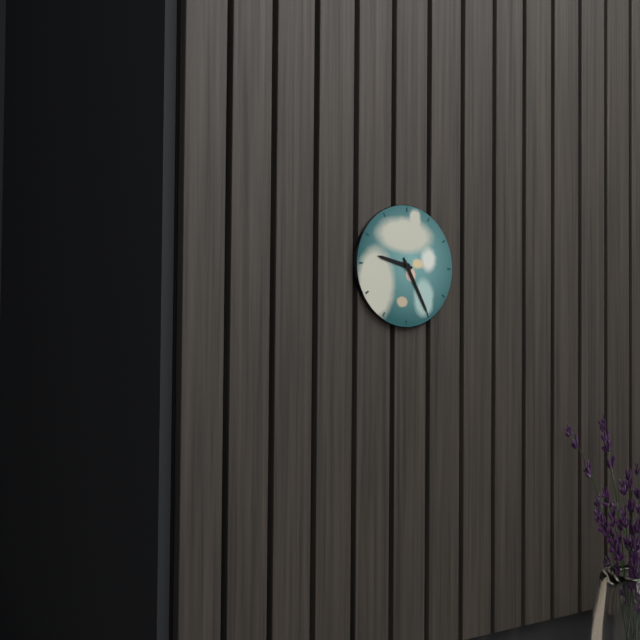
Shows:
9,25
